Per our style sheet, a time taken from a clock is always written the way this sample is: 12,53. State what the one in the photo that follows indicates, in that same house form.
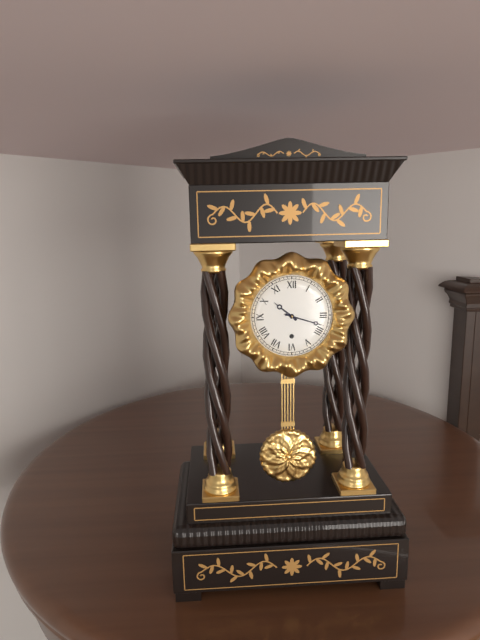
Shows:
10,18
